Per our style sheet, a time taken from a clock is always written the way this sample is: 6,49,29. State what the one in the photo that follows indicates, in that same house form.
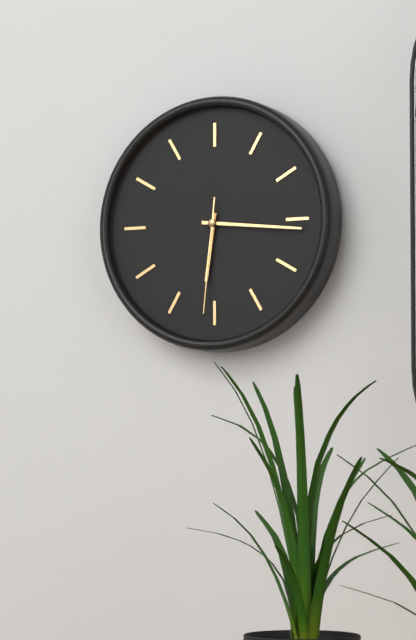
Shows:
6,16,31
